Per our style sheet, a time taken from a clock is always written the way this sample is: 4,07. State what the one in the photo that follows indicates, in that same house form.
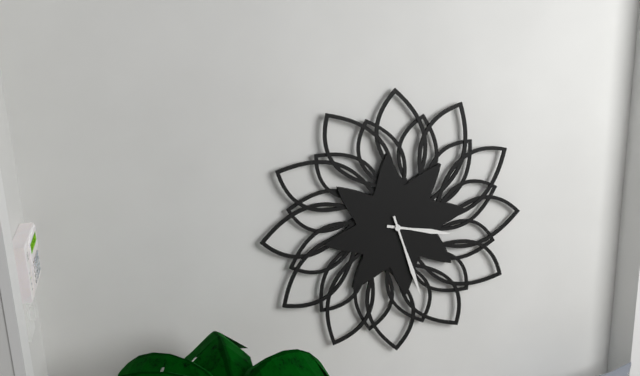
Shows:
3,27
